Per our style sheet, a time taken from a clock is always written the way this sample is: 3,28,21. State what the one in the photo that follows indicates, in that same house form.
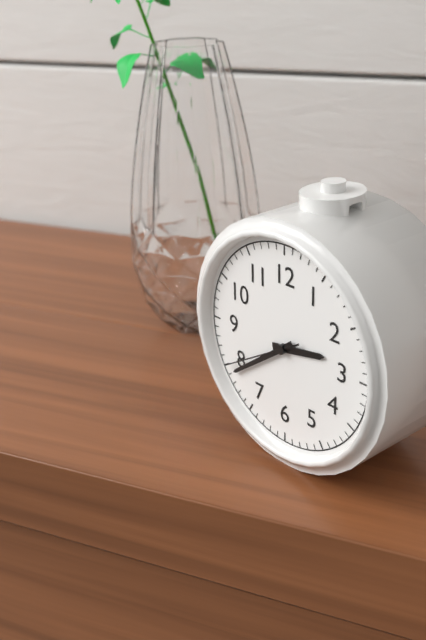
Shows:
2,39,40
